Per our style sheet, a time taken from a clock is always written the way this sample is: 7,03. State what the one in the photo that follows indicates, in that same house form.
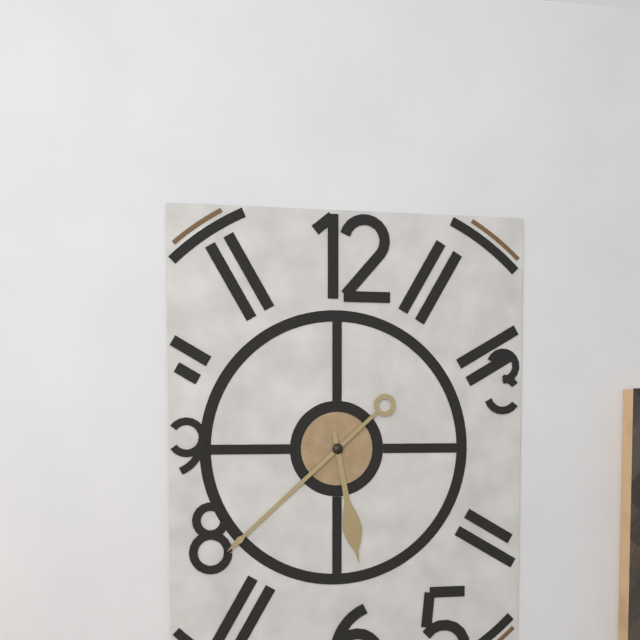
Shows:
5,38
